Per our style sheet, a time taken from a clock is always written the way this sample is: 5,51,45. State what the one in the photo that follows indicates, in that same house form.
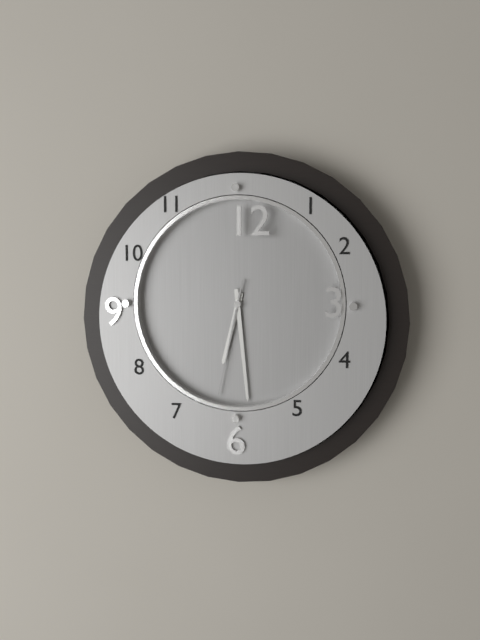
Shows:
6,29,32
